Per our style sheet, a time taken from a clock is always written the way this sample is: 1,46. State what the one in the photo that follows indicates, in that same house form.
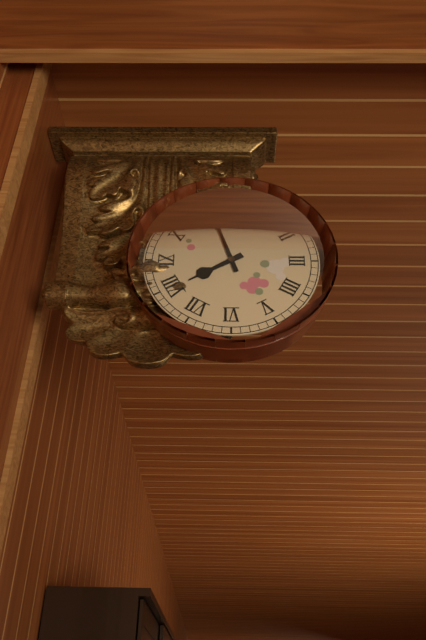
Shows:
7,57
